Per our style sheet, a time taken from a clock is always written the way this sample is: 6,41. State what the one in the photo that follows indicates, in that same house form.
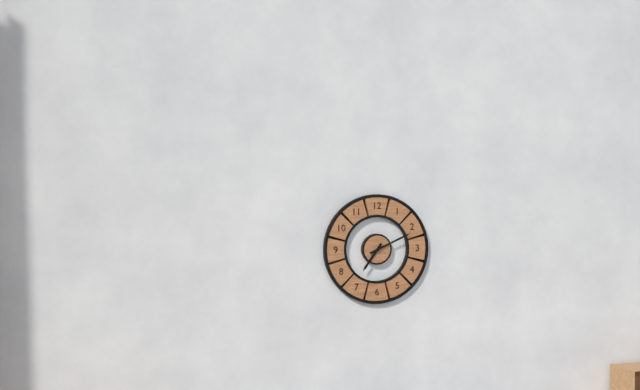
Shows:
7,11
